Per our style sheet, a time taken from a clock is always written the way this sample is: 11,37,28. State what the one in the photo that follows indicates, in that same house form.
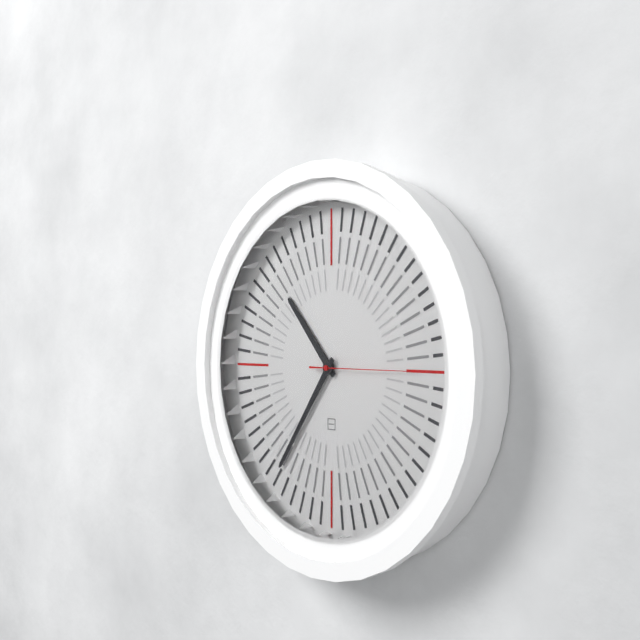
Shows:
10,36,15
